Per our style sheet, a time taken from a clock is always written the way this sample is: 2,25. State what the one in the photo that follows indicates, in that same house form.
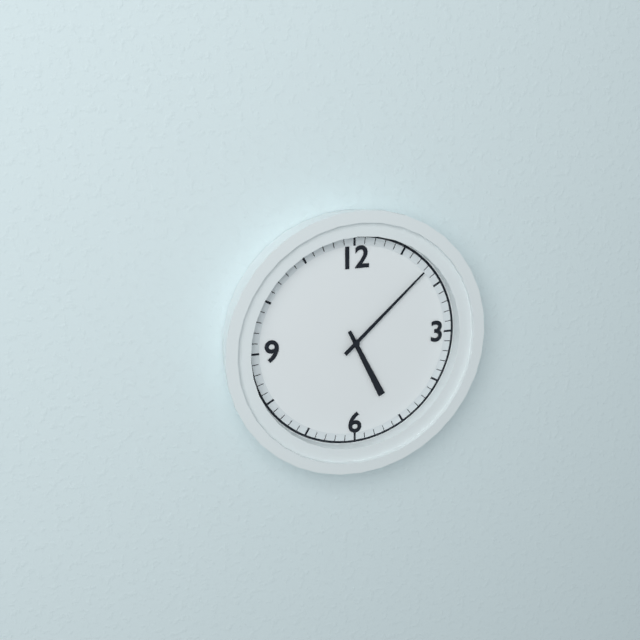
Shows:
5,08
